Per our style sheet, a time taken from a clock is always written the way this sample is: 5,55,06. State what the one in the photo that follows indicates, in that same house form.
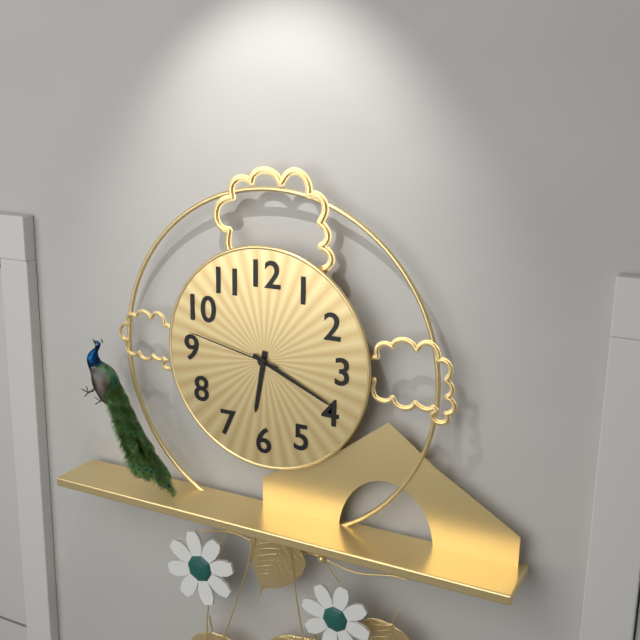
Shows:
6,19,47
